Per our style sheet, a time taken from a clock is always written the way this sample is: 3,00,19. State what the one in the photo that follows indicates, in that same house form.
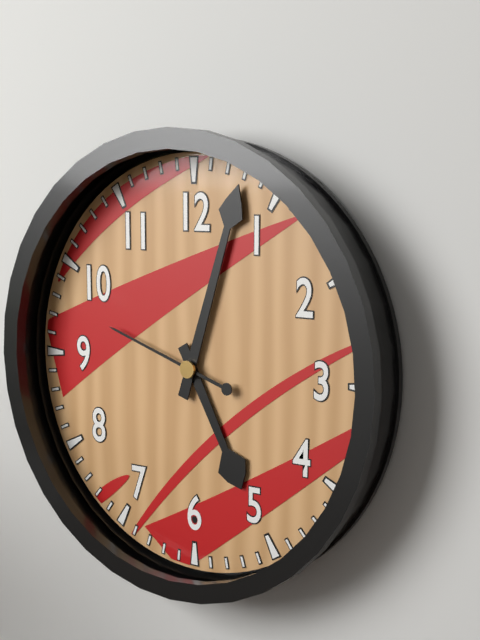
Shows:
5,03,48
